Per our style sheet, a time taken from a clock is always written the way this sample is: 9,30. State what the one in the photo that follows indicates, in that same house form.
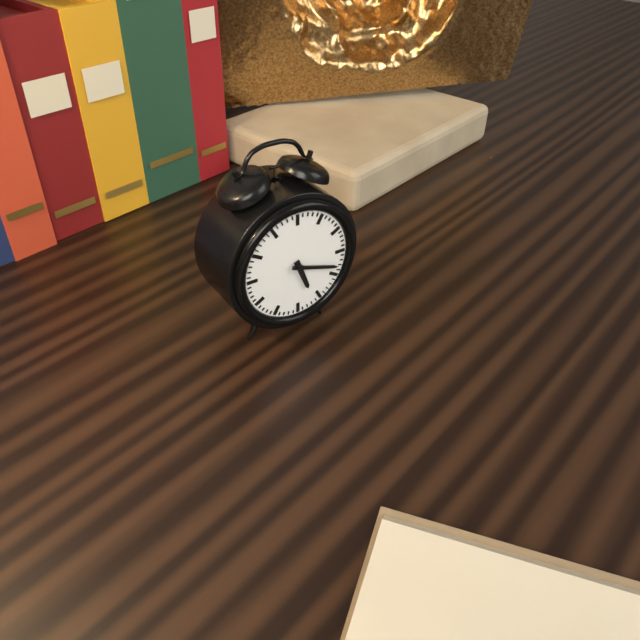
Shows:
5,18
